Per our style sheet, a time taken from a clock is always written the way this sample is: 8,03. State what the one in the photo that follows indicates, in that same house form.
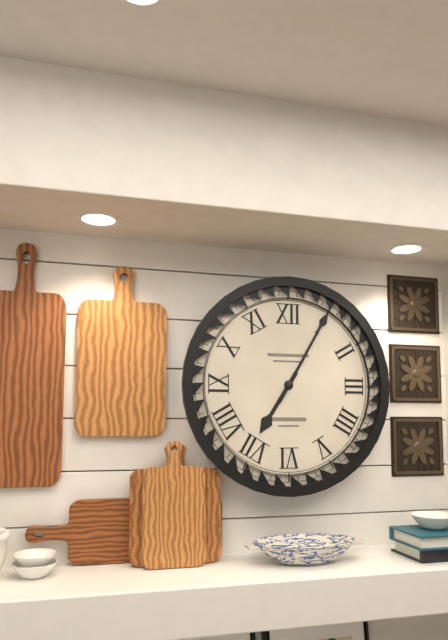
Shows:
7,05
